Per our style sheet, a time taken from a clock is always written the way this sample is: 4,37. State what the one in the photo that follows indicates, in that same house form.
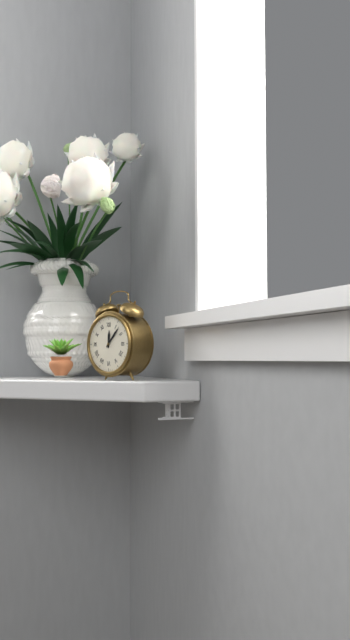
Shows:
12,07
